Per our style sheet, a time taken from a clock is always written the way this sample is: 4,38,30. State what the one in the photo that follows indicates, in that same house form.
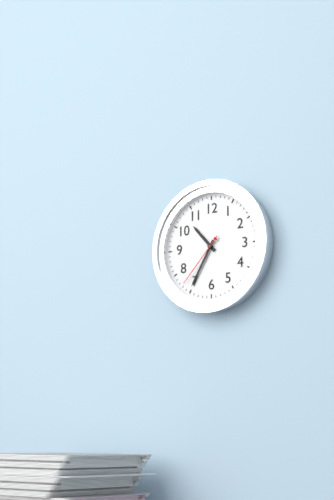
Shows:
10,35,37
